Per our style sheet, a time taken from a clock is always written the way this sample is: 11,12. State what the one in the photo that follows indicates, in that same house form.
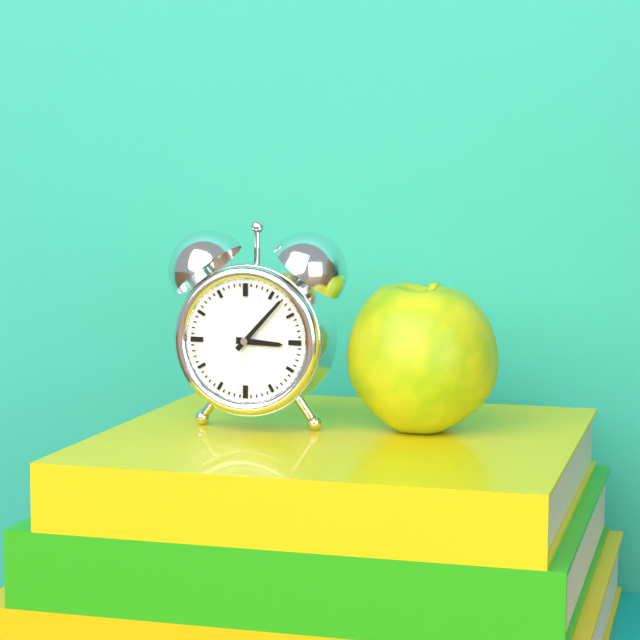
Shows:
3,07
